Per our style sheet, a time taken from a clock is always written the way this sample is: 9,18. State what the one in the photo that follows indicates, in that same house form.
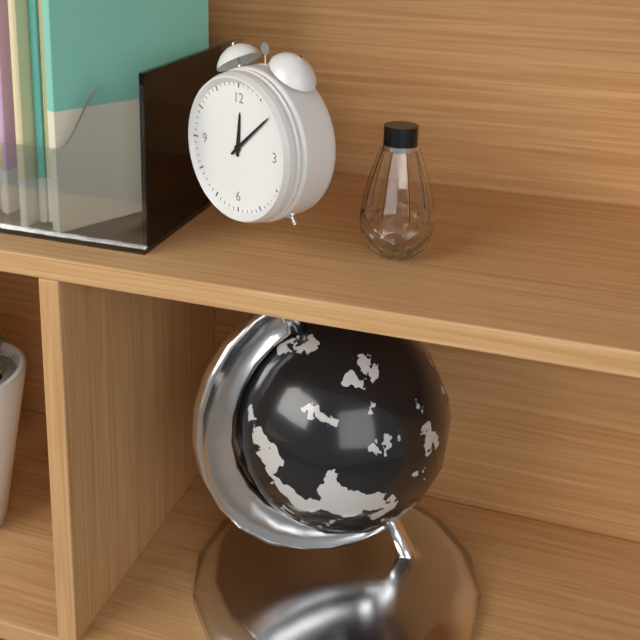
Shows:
12,08
